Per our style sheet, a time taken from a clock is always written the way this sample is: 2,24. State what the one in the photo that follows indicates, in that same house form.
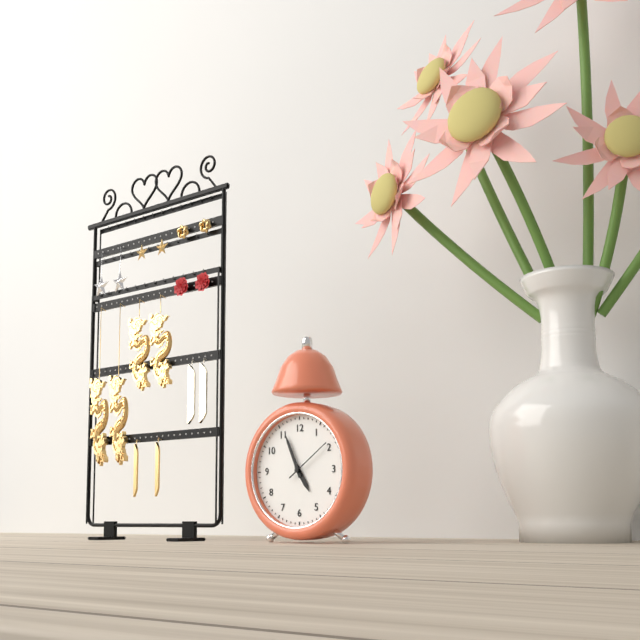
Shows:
4,56
